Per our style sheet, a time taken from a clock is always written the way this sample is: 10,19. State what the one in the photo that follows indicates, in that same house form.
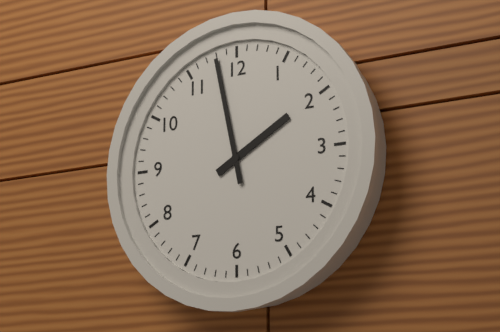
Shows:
1,58
